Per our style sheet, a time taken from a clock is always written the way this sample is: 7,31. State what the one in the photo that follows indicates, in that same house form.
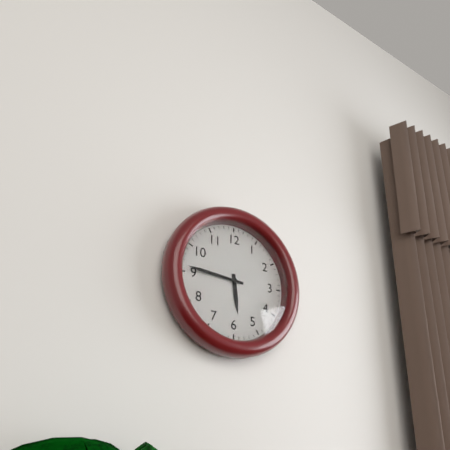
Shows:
5,46
